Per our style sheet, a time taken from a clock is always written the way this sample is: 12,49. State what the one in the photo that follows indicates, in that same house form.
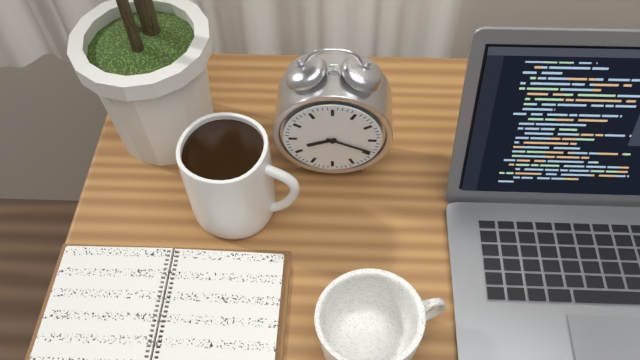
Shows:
8,19
